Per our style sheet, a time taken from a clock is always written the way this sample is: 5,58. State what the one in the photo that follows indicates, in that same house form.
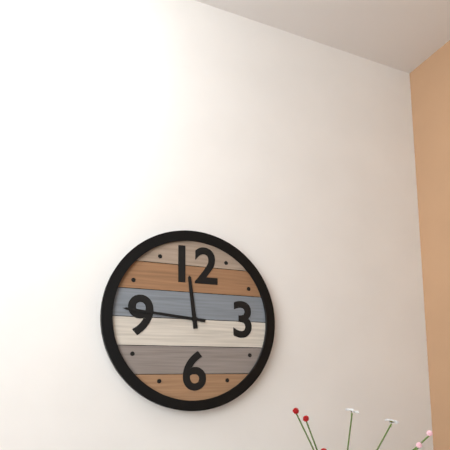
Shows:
11,46
